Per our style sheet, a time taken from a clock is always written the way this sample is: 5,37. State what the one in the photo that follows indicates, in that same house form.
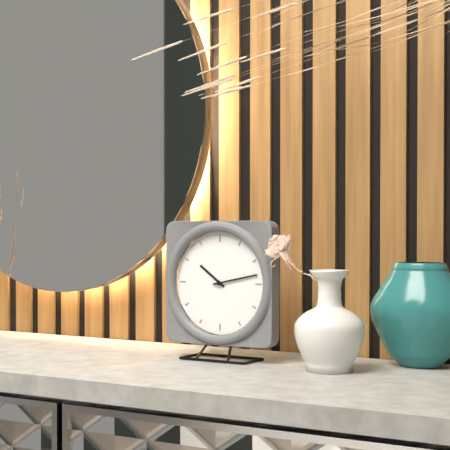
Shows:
10,13
